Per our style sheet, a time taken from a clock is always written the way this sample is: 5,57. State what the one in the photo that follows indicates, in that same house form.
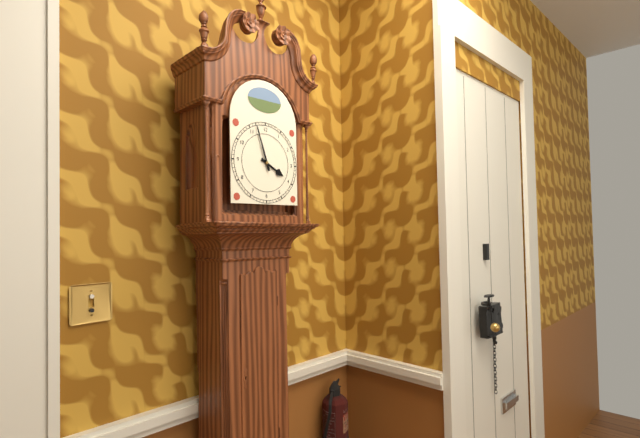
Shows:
3,57
